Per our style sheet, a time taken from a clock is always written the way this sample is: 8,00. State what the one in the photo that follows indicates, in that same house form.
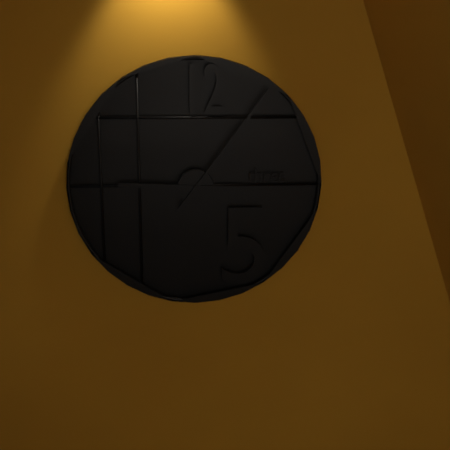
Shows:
9,06
